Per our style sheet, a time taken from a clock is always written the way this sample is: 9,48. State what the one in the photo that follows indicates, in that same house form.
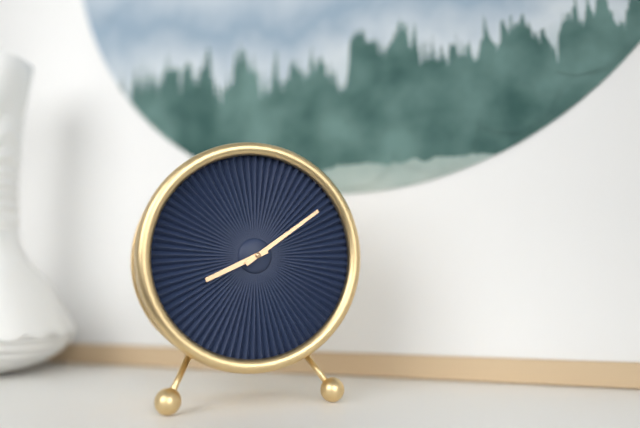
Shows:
8,09
